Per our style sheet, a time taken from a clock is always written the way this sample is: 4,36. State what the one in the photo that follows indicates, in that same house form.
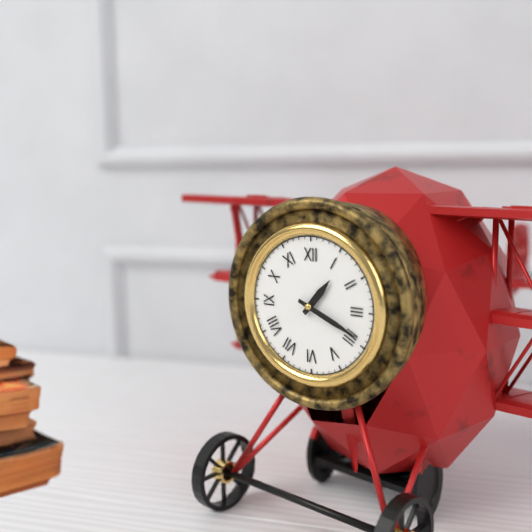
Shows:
1,19
